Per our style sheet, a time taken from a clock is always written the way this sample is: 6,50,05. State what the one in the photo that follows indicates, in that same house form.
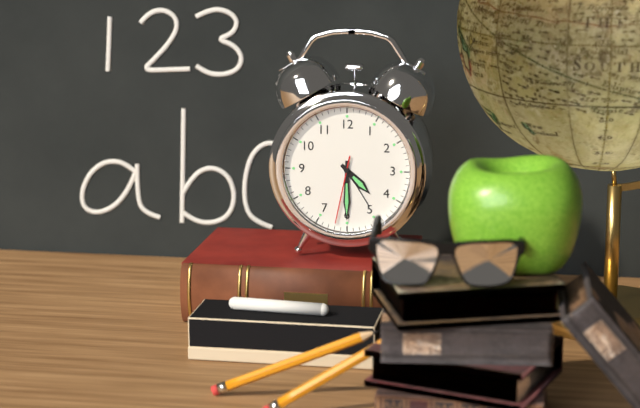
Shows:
4,30,32
